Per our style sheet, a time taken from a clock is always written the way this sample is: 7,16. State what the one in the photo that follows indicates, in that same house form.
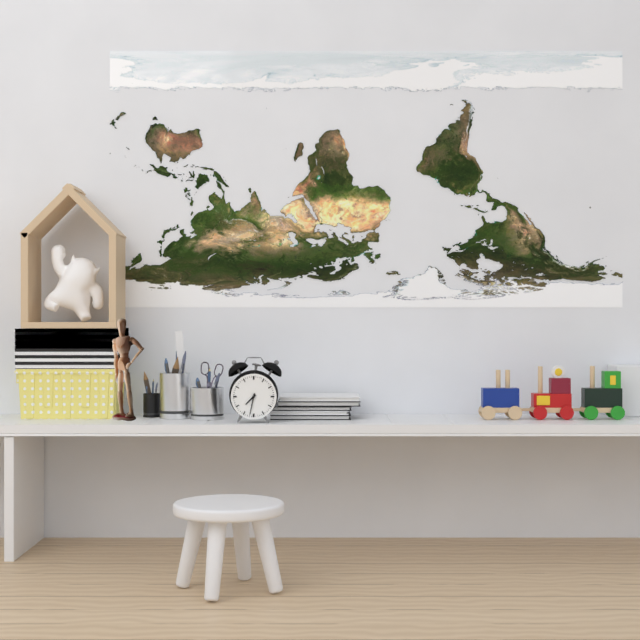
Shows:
7,32
